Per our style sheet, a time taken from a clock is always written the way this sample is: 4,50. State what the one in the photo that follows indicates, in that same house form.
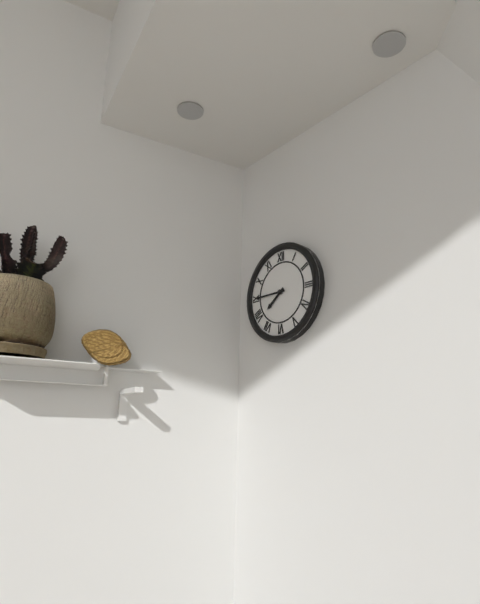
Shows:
7,45
